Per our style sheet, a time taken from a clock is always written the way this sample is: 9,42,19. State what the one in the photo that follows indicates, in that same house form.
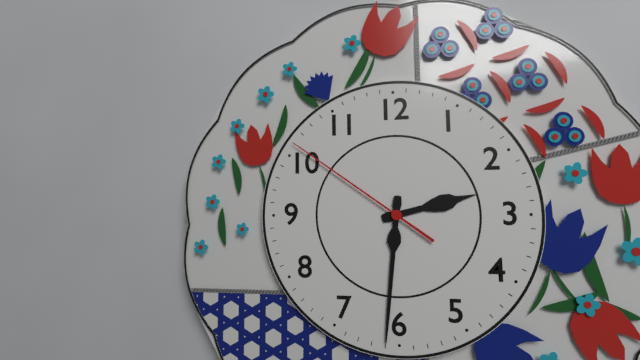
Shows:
2,31,51
